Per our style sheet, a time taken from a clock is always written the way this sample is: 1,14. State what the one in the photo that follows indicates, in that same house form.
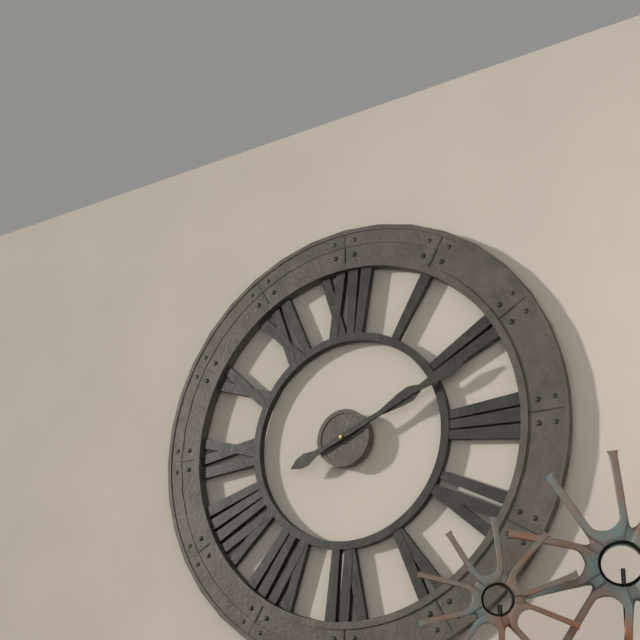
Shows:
2,11
